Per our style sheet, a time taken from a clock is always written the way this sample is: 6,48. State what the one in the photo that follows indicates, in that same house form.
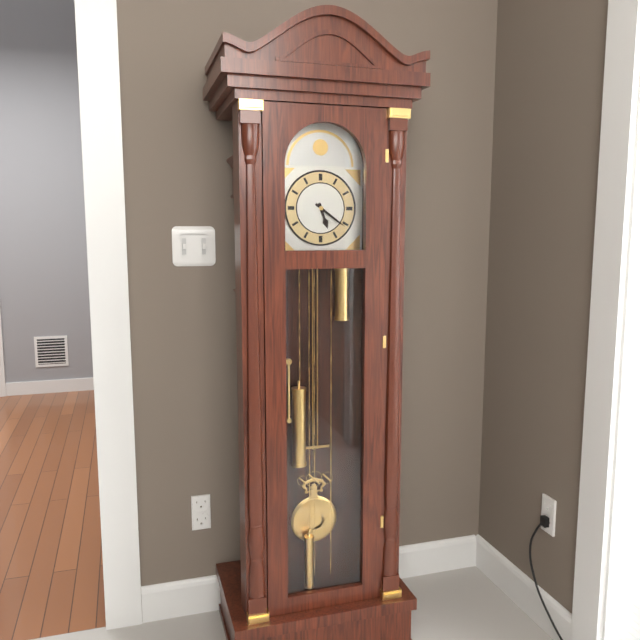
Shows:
5,21
